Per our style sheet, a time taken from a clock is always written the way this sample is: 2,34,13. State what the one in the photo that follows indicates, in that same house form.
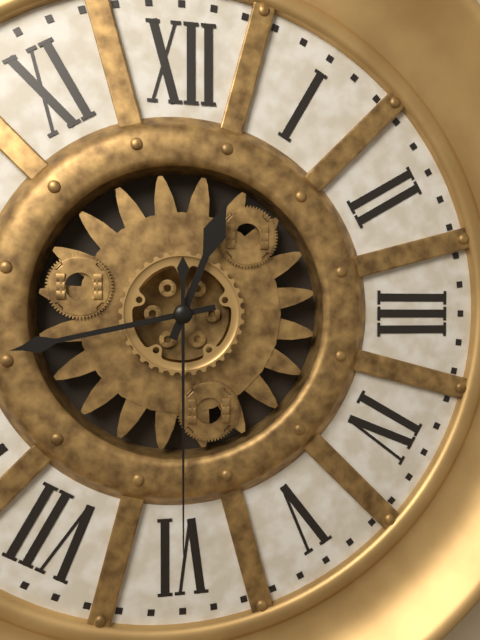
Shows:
12,43,30
